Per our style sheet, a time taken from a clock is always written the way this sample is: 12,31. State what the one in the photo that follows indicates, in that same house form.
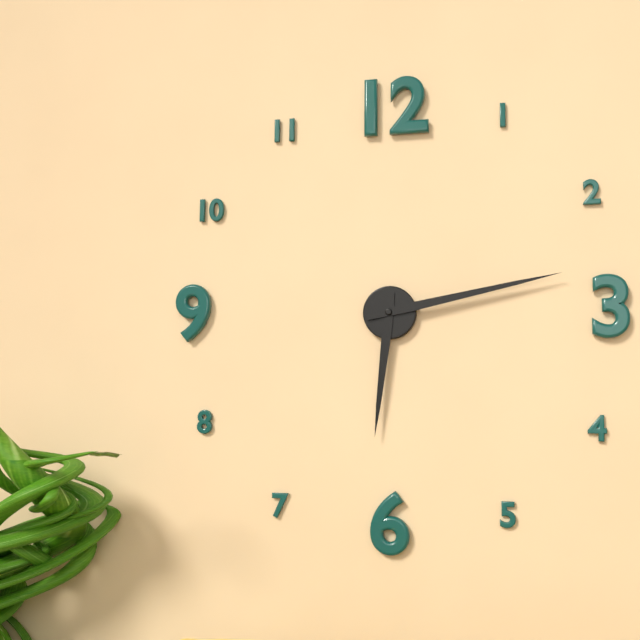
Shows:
6,13
